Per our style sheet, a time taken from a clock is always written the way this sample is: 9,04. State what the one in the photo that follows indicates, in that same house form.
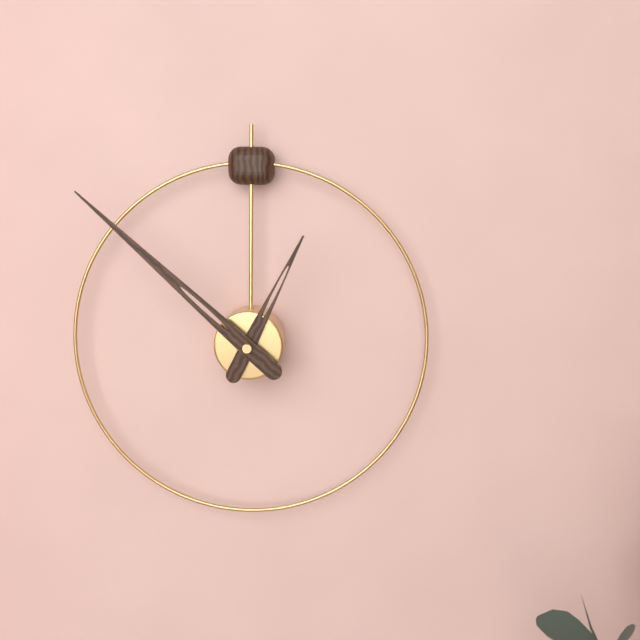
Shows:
12,52
